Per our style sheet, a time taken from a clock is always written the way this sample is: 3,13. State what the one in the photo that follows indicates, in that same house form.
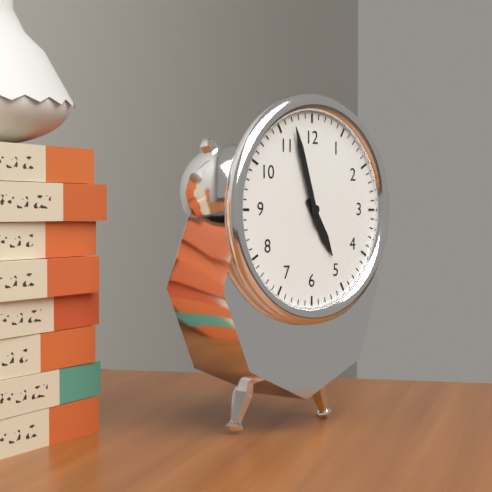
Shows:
4,57
